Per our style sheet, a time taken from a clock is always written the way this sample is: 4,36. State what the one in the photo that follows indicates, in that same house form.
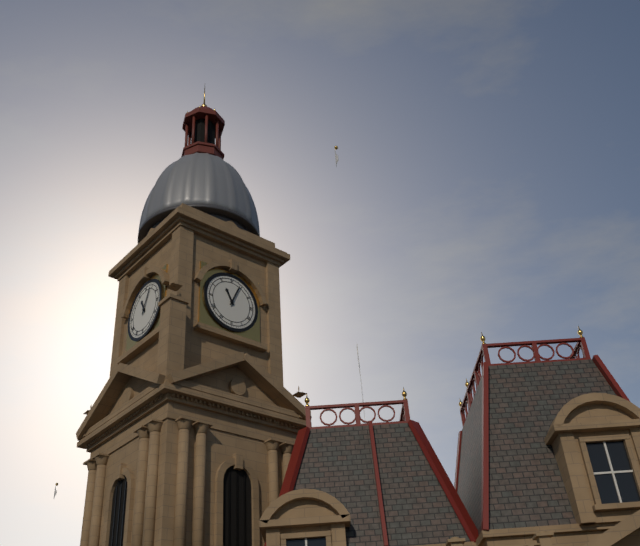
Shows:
11,04
